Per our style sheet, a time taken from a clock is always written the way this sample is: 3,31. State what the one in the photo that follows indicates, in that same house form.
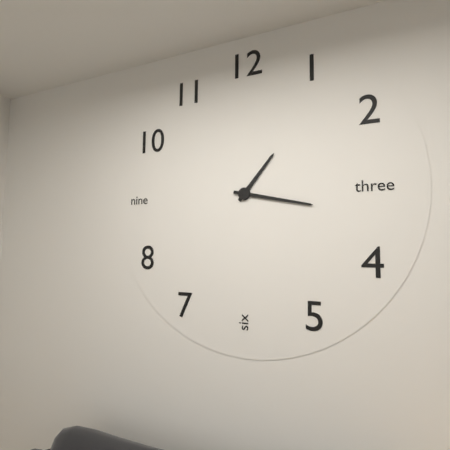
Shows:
1,17
